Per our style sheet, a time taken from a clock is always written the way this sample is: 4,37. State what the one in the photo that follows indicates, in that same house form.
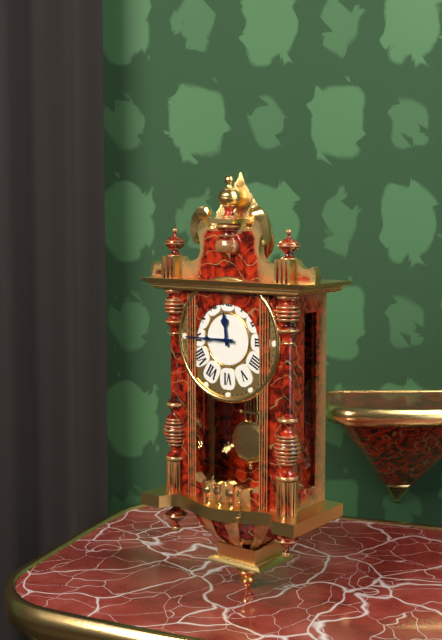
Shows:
11,45
